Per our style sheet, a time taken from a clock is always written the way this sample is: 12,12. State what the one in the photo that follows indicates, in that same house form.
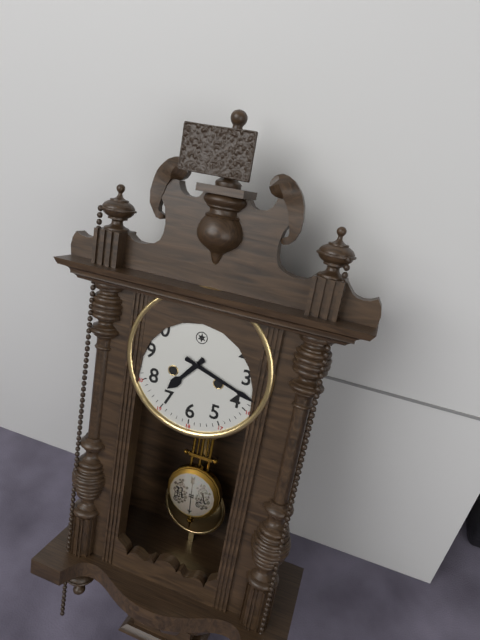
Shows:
7,18
